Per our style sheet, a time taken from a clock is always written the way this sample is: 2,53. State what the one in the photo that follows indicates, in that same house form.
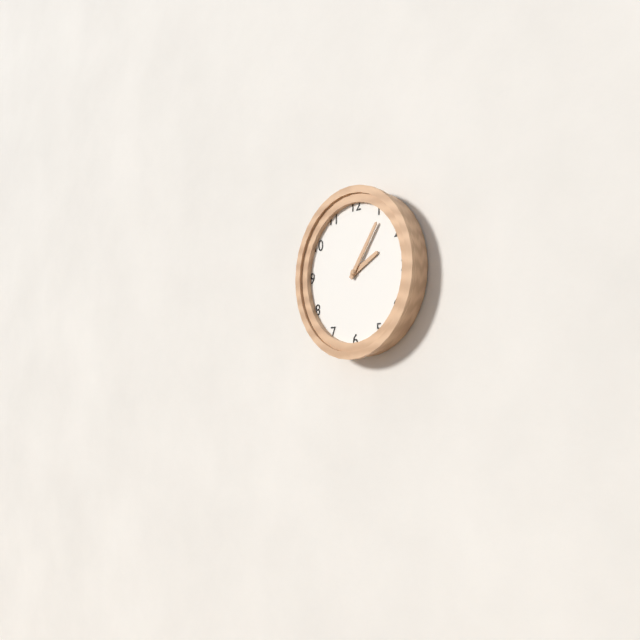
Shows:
2,06
